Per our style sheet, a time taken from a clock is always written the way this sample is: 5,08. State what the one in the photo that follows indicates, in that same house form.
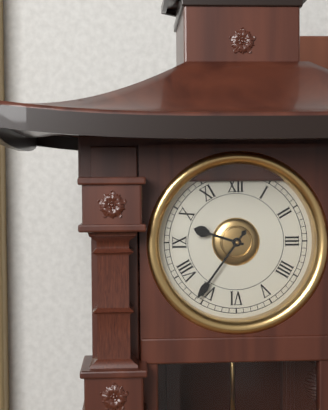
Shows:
9,36
